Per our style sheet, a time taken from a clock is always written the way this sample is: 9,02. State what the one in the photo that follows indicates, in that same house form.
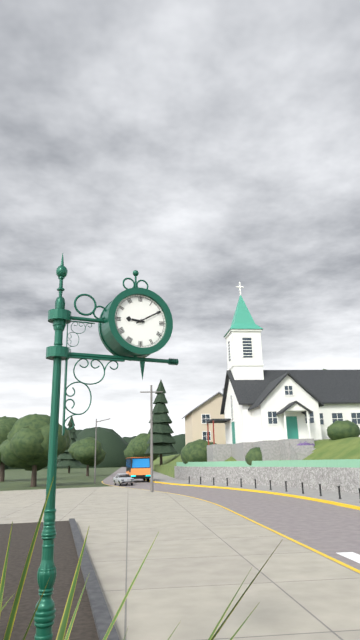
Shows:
9,10
